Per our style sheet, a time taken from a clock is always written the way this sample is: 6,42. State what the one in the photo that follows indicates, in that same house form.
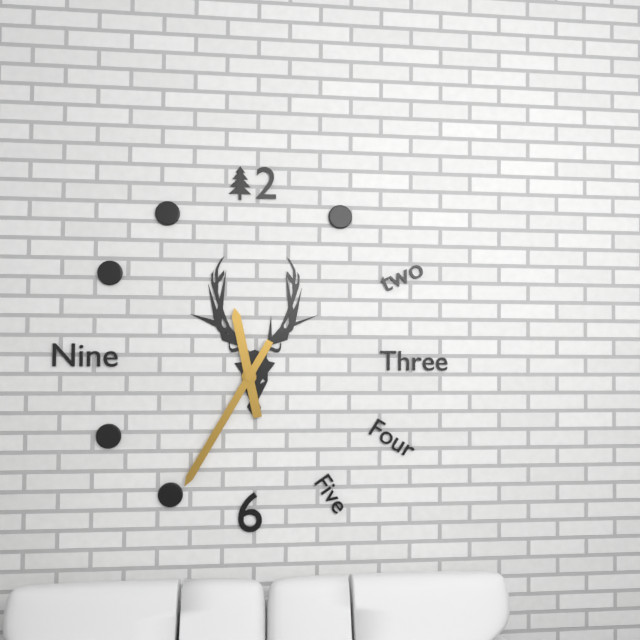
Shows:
11,35
